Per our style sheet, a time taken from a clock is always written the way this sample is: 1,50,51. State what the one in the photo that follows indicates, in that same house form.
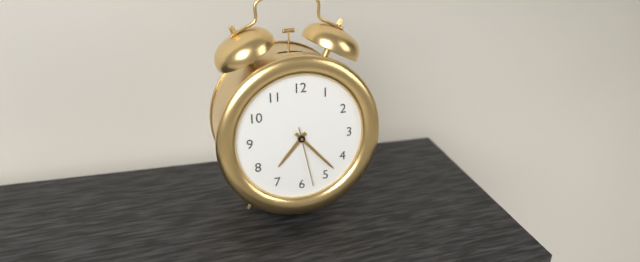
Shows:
7,23,28
